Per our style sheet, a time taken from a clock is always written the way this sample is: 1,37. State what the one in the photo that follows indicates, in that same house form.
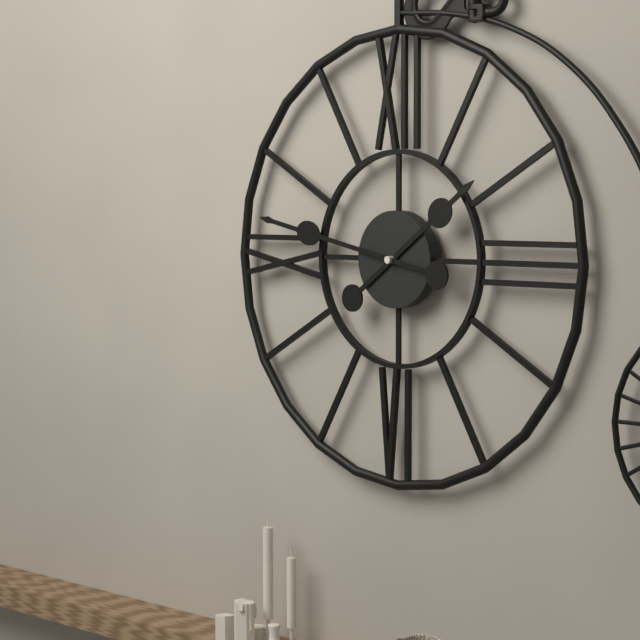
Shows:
1,47
